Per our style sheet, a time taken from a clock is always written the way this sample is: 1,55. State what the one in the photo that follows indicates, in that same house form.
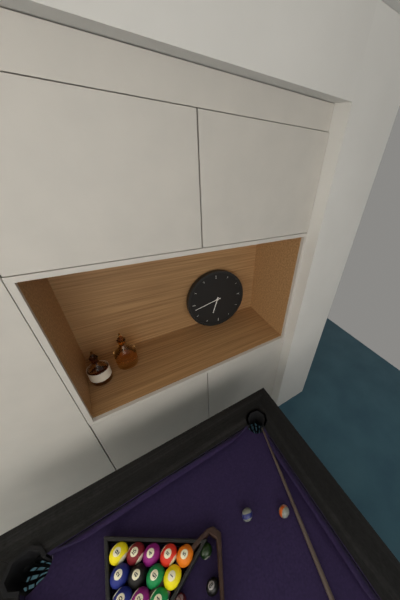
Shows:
6,43
